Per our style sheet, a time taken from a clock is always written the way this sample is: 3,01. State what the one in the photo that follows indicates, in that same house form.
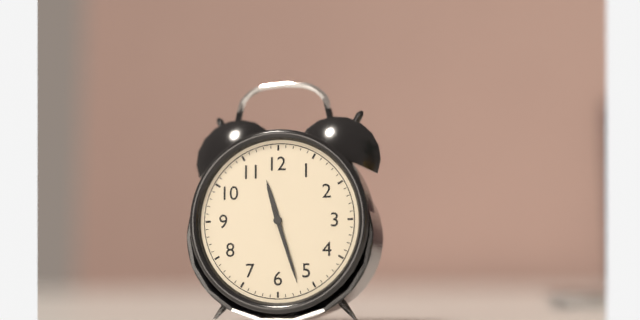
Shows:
11,27
